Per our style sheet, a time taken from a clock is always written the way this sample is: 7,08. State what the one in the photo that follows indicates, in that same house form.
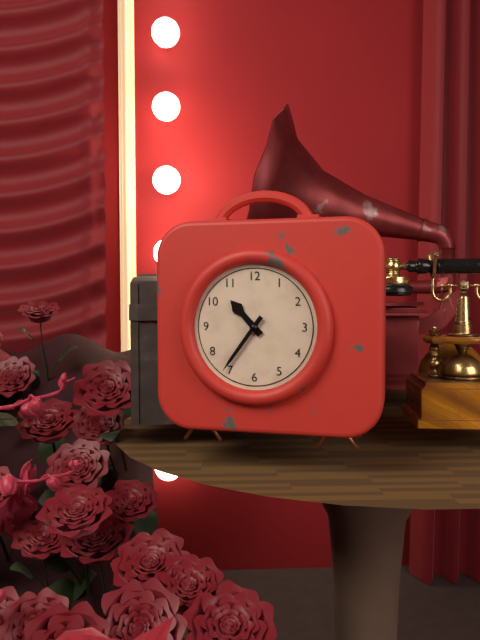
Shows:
10,36
